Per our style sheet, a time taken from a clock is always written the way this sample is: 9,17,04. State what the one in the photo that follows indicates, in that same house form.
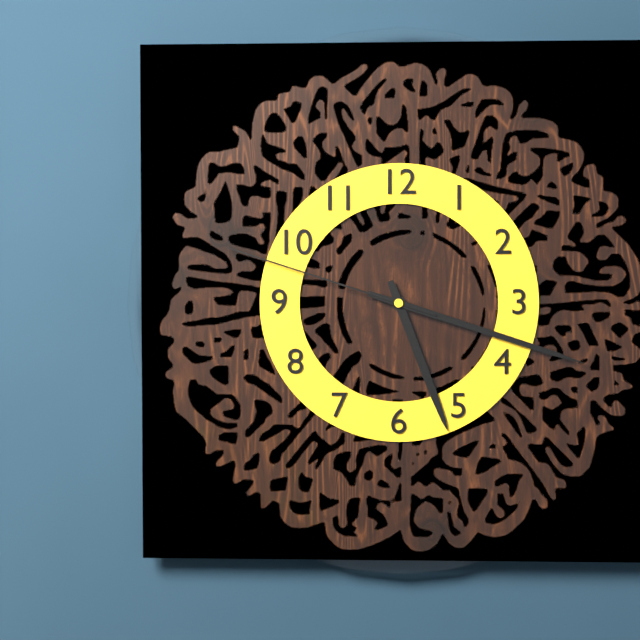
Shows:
5,18,48
